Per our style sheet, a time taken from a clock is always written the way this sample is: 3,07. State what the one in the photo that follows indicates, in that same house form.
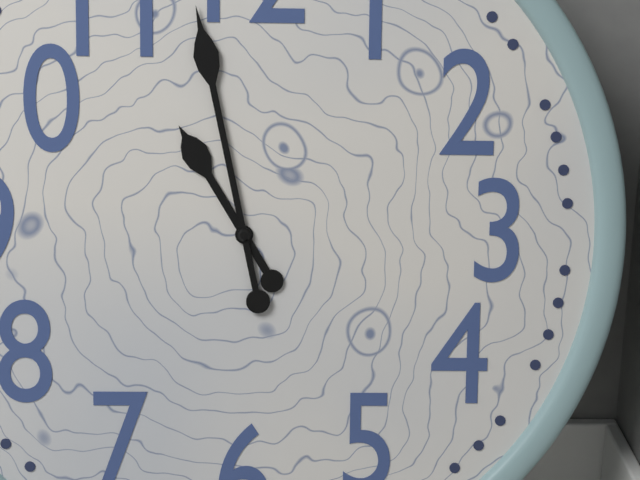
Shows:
10,58
